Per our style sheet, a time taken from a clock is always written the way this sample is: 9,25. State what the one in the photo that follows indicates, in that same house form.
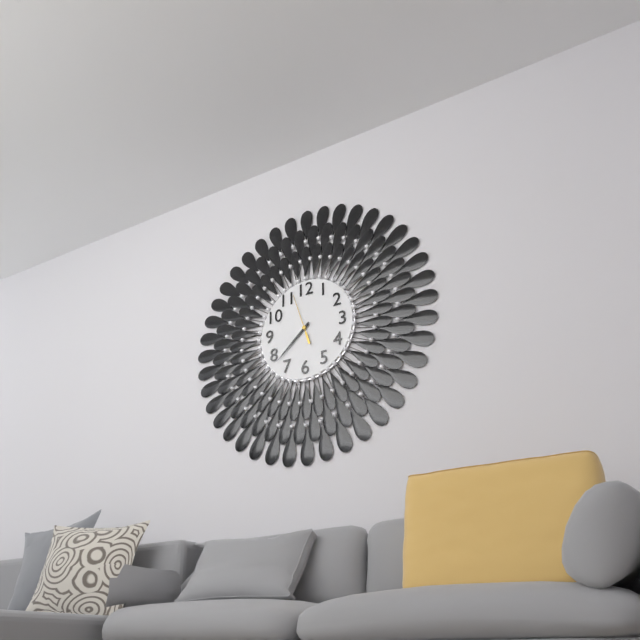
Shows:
7,38
